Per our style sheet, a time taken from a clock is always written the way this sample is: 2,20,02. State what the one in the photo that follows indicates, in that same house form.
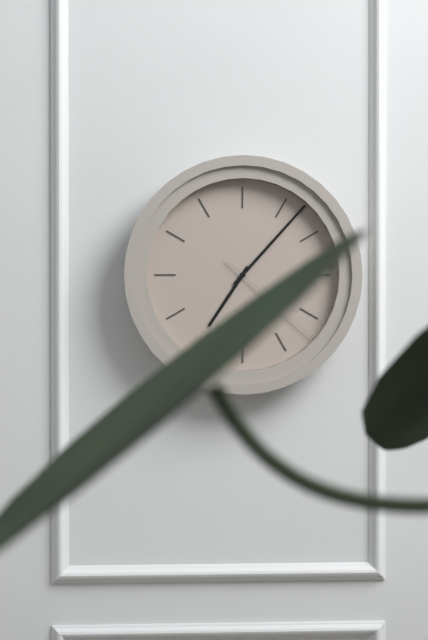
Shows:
7,07,22
